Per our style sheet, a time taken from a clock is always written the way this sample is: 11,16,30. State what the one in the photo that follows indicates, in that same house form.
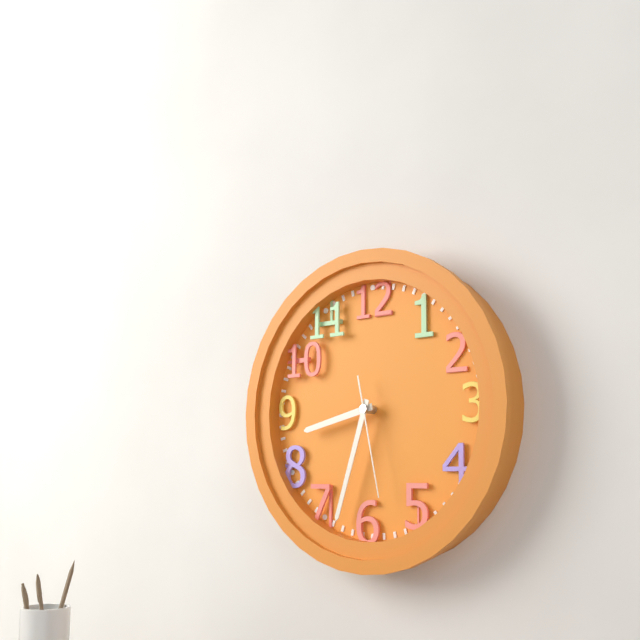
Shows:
8,33,28
